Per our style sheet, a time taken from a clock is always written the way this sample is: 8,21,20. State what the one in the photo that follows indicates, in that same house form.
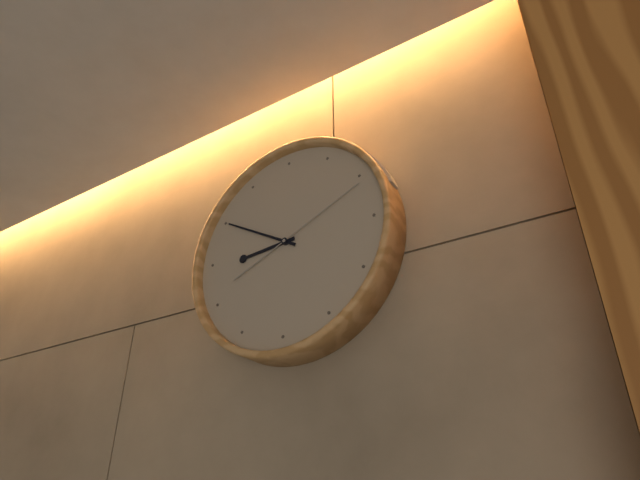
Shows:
8,50,11
